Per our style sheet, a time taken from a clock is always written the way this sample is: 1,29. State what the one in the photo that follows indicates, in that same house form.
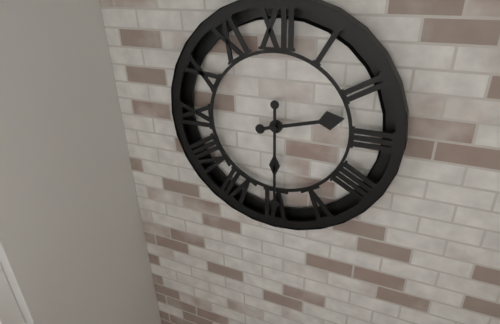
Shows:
2,30
